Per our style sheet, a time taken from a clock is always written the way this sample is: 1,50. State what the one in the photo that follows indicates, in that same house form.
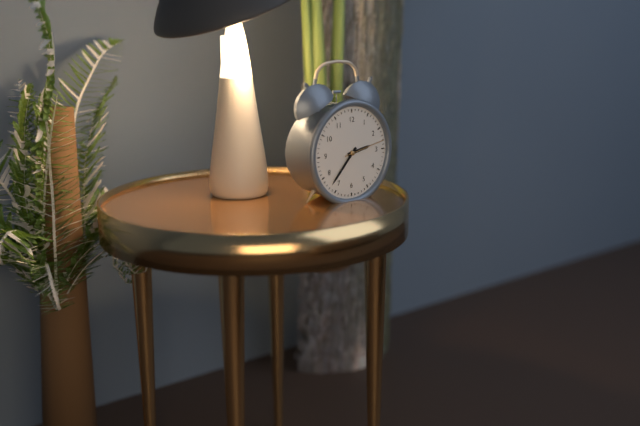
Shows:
2,37
